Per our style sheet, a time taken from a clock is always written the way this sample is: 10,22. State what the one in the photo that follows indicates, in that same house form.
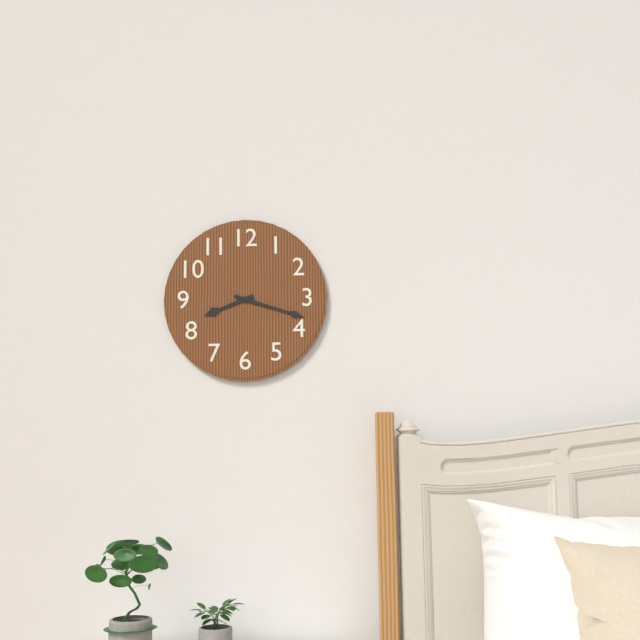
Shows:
8,18
